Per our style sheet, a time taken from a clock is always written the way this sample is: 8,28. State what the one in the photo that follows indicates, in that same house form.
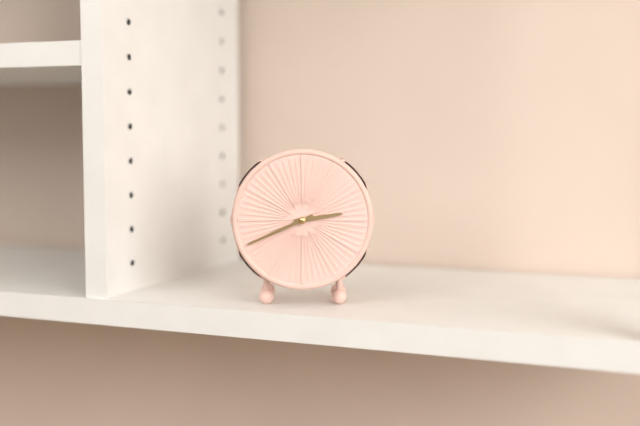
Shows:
2,41
